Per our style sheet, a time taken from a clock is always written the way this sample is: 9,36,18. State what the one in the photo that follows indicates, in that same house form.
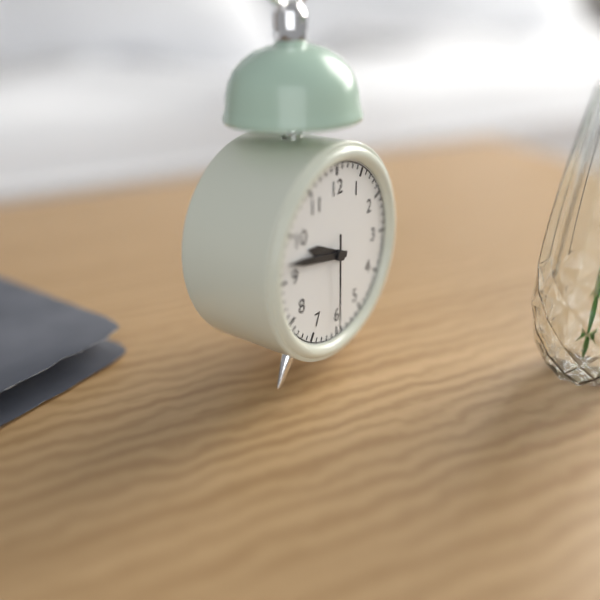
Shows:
9,47,30
